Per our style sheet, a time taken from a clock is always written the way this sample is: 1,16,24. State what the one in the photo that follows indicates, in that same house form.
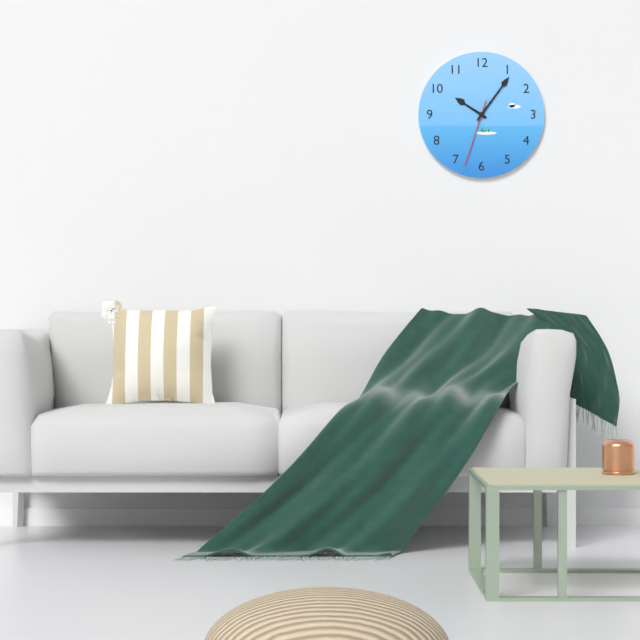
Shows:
10,06,33
